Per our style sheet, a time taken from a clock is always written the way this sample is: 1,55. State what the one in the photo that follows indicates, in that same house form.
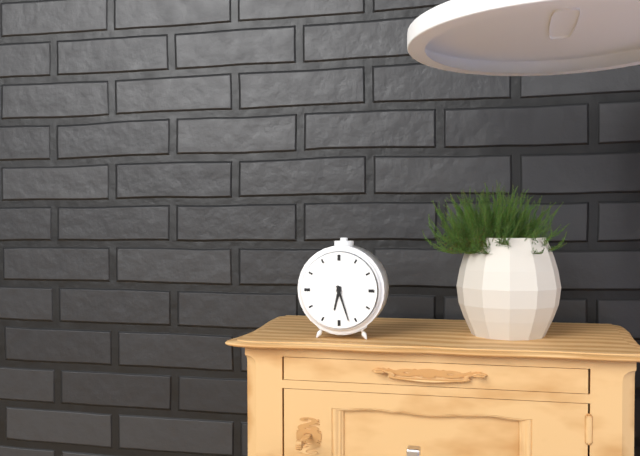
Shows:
6,27
